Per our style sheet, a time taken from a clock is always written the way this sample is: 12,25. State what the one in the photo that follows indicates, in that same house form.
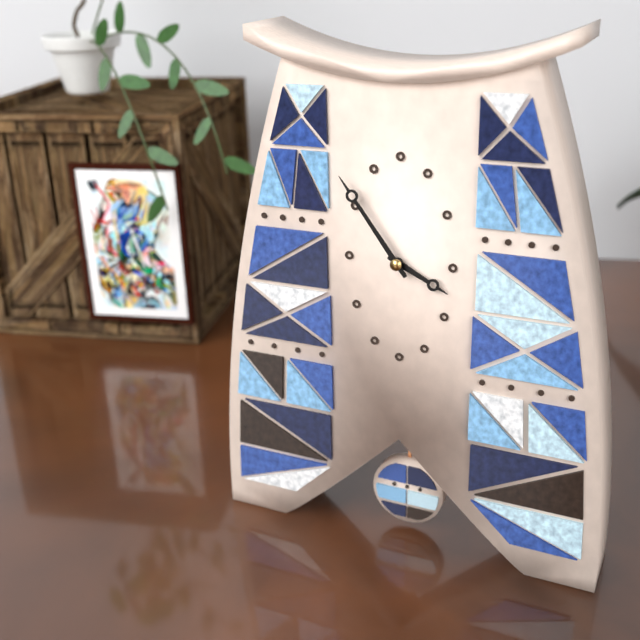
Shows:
3,54
